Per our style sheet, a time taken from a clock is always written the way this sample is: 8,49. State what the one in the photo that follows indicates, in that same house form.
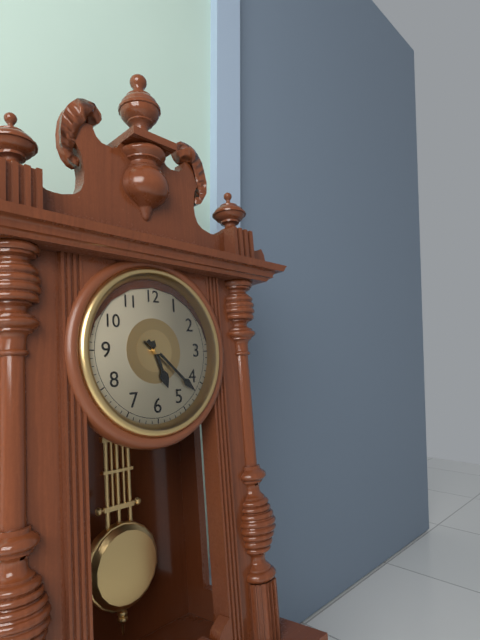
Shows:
5,22
